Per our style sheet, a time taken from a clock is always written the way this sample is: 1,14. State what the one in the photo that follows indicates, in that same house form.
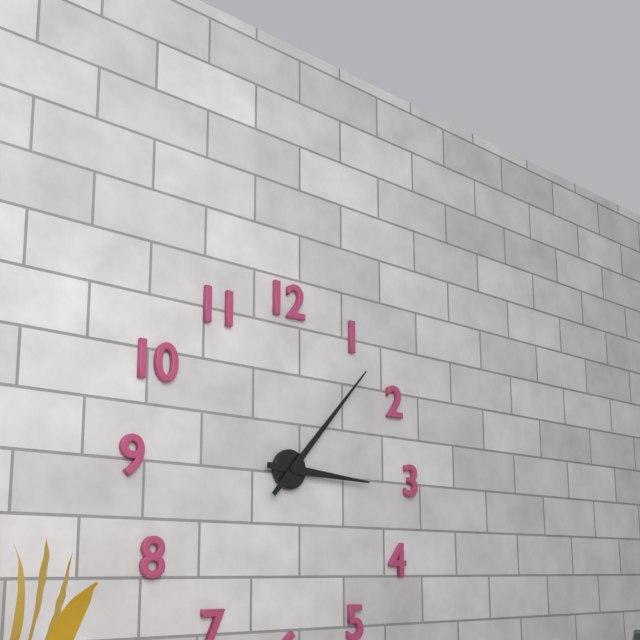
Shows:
3,07
